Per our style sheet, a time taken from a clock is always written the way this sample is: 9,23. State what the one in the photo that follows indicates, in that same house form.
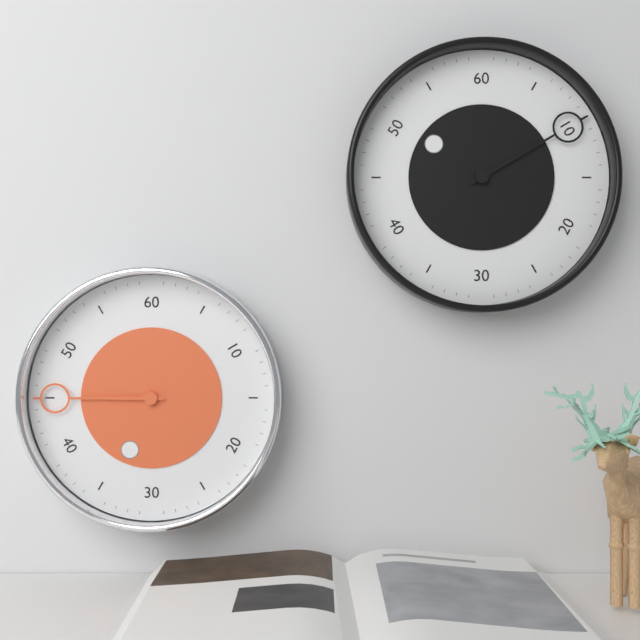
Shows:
6,45
